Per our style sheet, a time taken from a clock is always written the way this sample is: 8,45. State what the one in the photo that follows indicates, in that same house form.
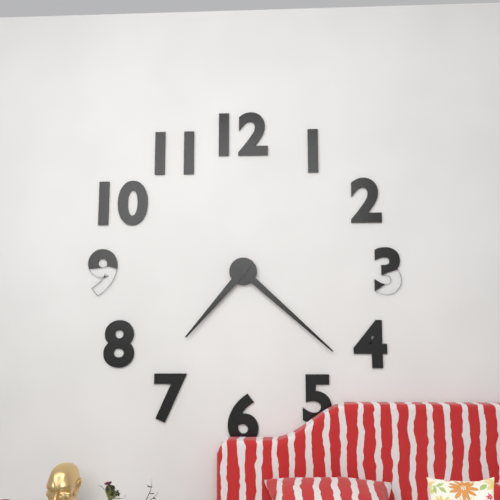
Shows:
7,22
